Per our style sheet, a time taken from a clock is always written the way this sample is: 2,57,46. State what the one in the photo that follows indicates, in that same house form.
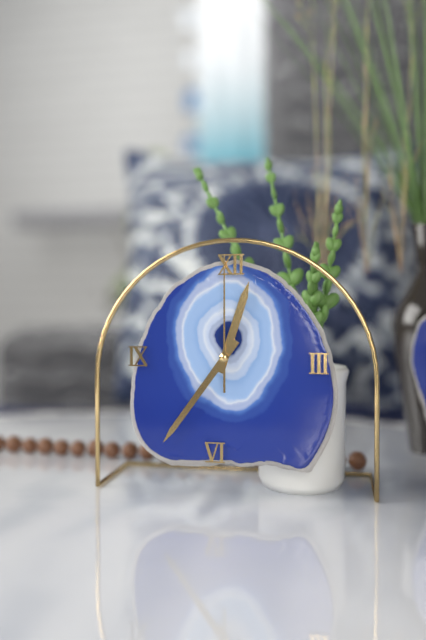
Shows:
12,36,00
